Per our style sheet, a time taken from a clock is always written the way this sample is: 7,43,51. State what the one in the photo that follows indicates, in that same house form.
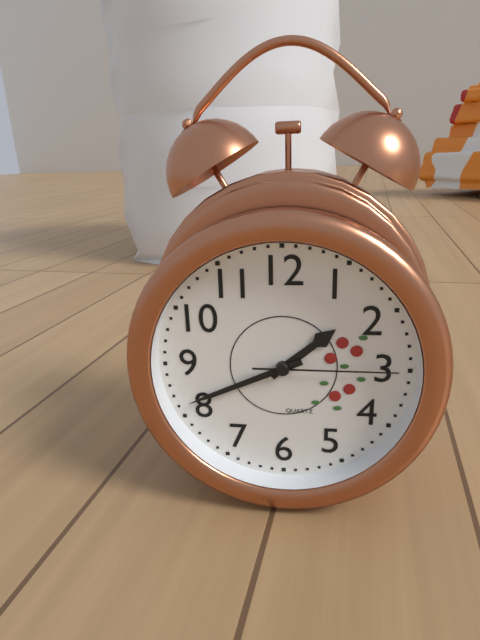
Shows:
1,41,15
